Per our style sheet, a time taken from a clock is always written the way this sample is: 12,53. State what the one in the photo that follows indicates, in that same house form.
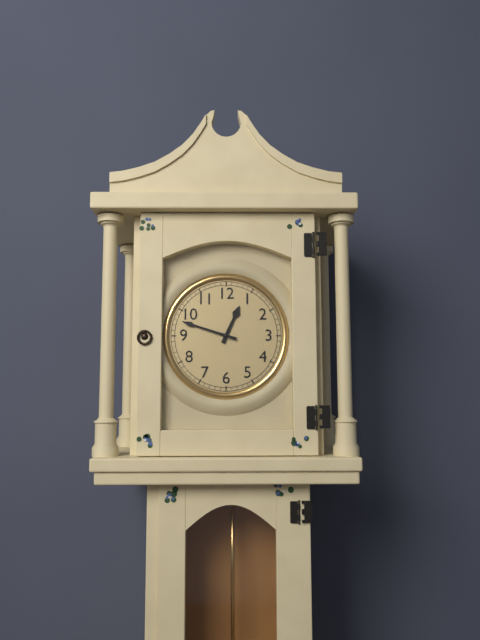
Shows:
12,48
